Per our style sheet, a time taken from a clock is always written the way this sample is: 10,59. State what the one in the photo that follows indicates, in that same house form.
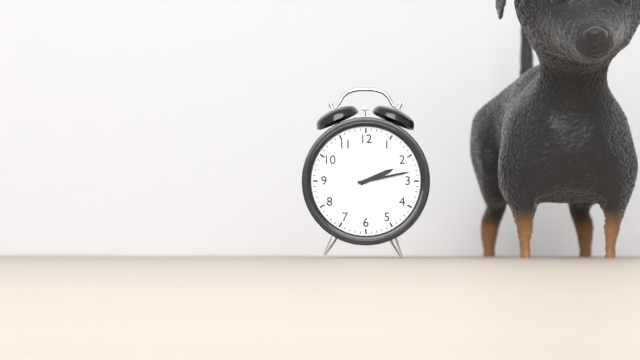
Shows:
2,13
